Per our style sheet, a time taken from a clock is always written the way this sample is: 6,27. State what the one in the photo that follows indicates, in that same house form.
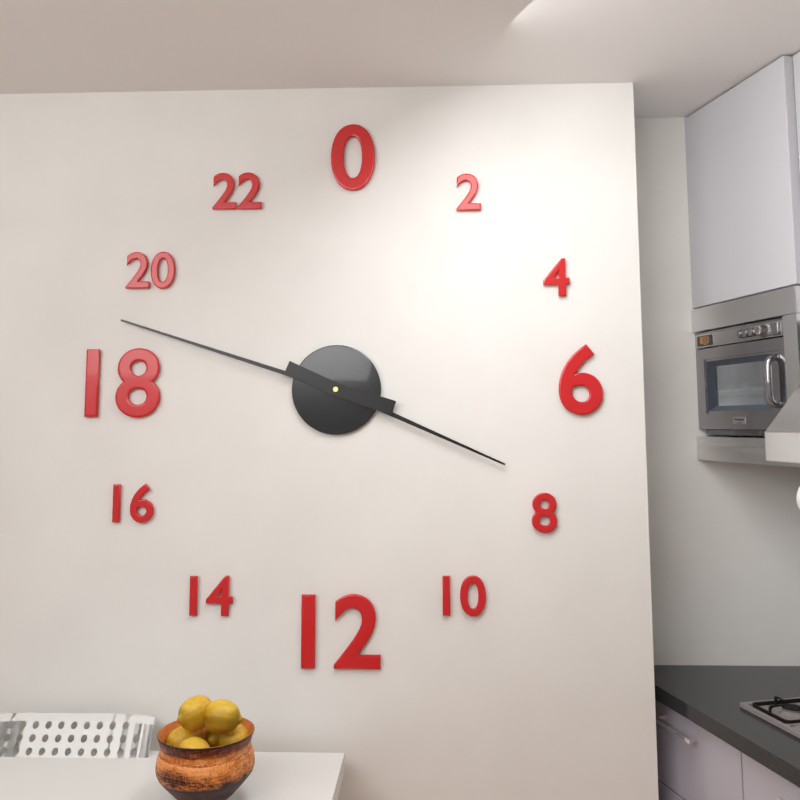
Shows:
3,48
